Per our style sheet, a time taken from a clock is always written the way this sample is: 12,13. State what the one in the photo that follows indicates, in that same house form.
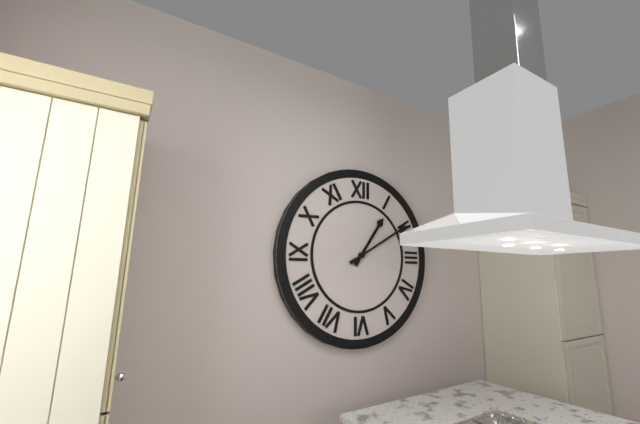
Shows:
1,10
